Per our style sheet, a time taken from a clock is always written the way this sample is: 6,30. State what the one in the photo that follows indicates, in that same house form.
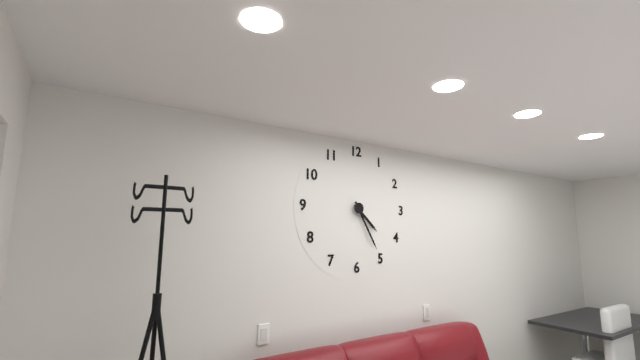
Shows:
4,25
